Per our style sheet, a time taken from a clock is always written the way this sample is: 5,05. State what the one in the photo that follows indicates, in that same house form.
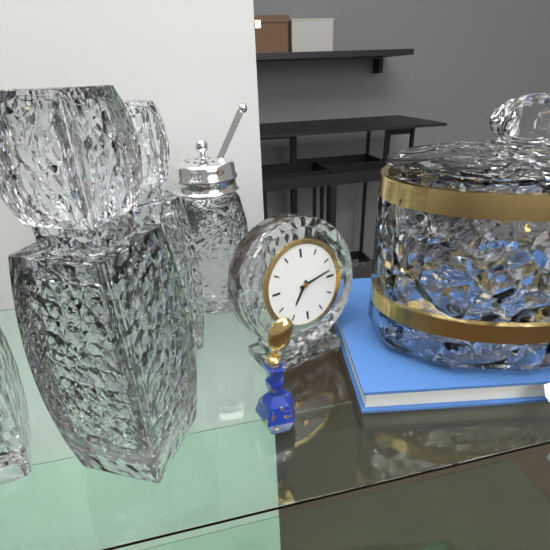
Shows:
7,13
